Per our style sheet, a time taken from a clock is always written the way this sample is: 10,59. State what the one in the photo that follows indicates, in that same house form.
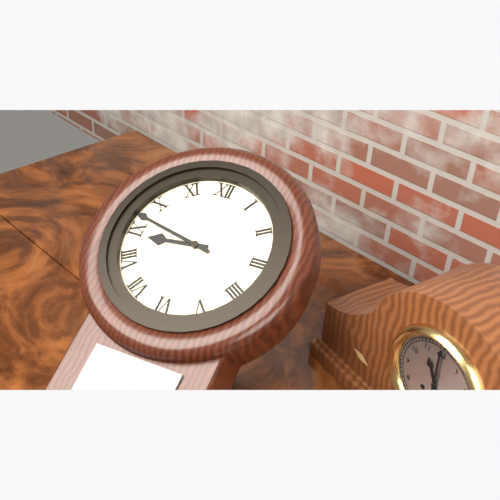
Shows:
8,47
